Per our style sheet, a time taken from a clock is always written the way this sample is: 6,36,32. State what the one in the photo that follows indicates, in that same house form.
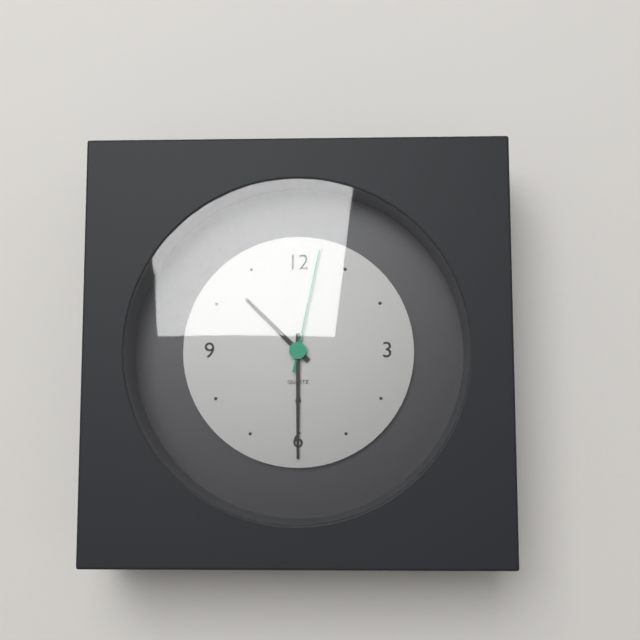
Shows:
10,30,02
